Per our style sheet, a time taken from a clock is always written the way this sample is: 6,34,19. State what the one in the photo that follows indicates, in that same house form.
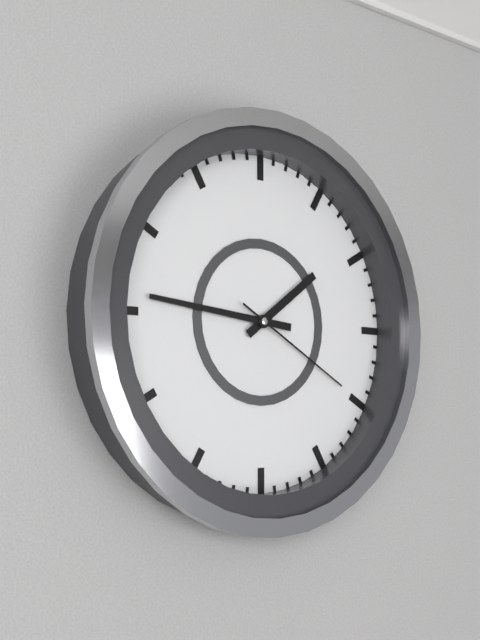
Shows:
1,46,20
